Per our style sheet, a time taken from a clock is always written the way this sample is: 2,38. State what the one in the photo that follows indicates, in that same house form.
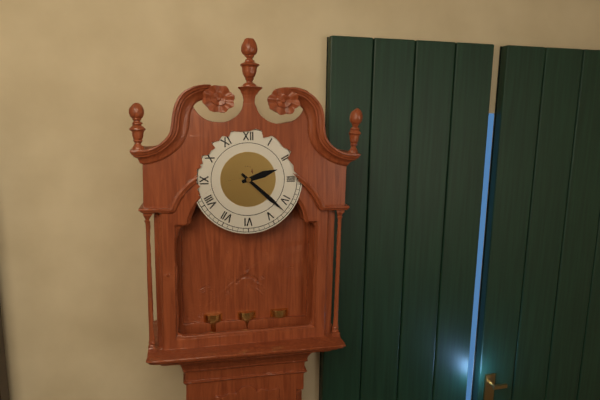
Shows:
2,22
